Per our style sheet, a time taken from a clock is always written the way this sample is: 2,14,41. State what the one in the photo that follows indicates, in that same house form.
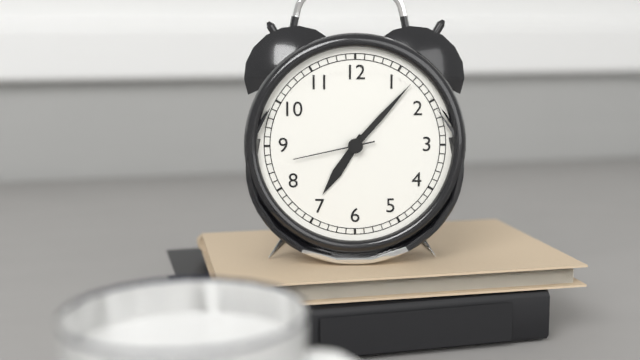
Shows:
7,07,43
